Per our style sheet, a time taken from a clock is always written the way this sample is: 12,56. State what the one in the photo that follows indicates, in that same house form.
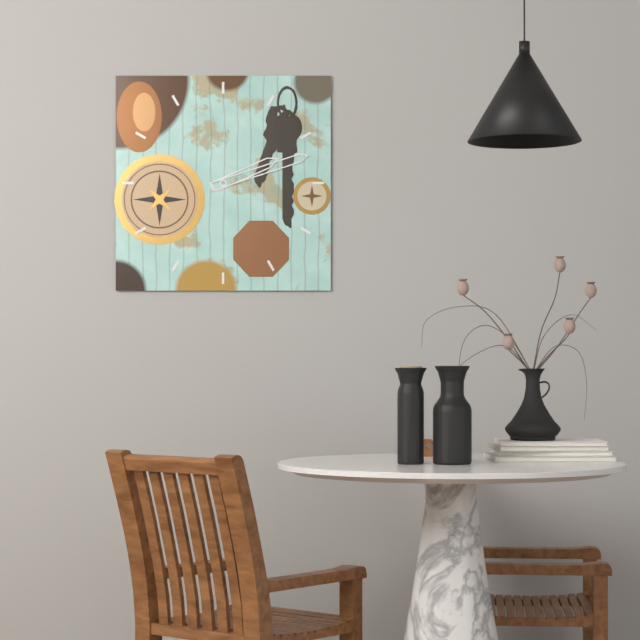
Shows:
2,12
